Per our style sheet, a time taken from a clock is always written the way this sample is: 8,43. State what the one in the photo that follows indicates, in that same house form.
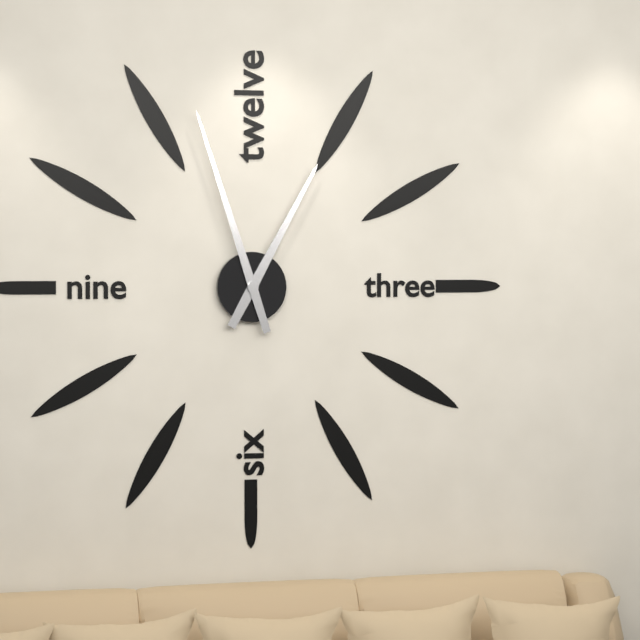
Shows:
12,57
